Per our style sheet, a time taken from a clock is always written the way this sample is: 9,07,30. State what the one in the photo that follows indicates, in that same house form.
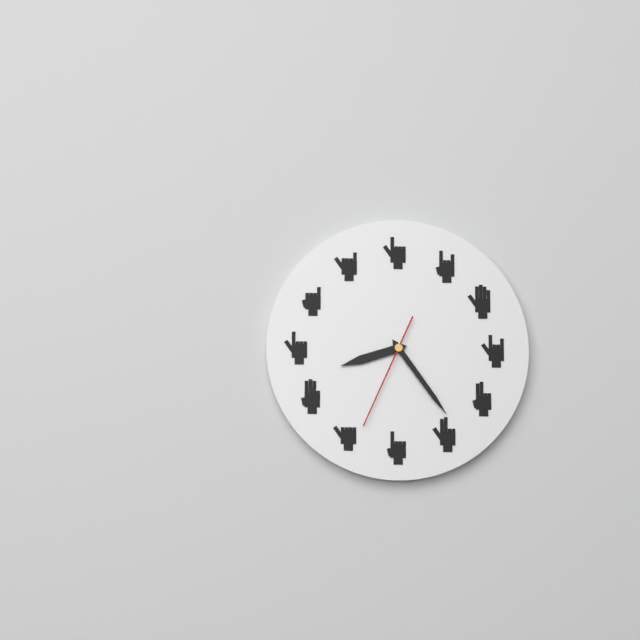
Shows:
8,24,34
